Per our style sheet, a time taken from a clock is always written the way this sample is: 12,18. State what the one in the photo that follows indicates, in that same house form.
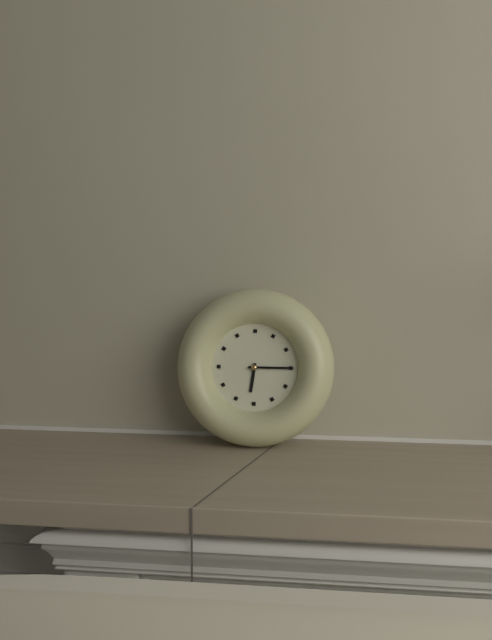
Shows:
6,15
